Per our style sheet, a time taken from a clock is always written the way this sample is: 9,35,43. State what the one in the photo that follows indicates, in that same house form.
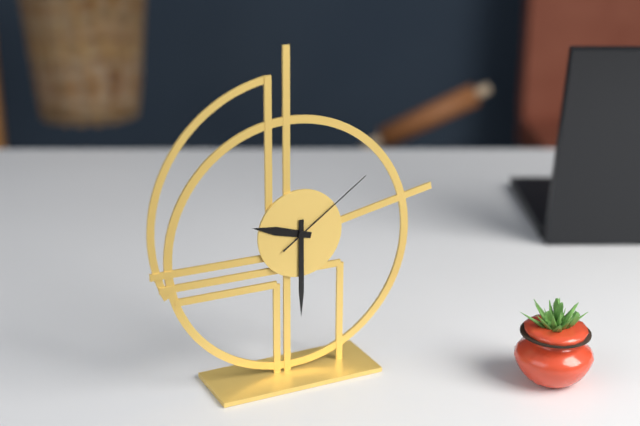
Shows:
9,30,09
